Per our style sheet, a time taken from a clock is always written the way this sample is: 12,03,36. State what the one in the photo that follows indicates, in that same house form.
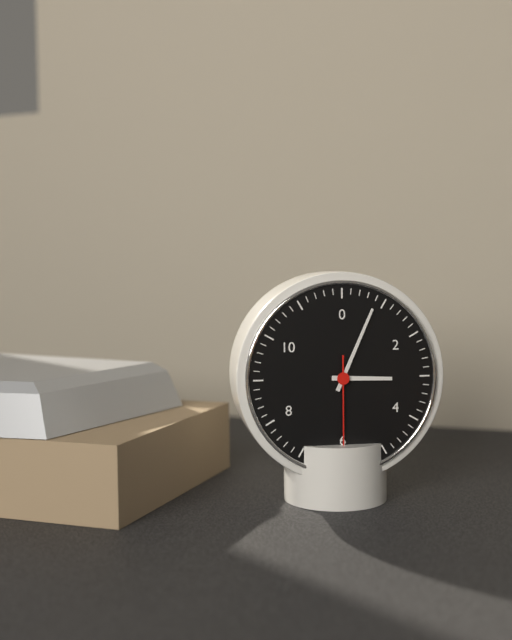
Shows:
3,04,30
